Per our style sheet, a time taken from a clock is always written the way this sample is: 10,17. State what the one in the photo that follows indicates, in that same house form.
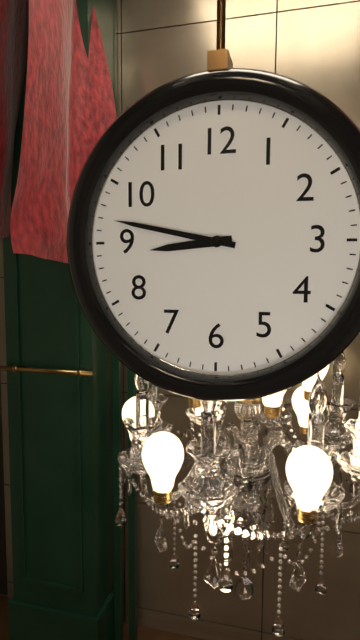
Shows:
8,47
